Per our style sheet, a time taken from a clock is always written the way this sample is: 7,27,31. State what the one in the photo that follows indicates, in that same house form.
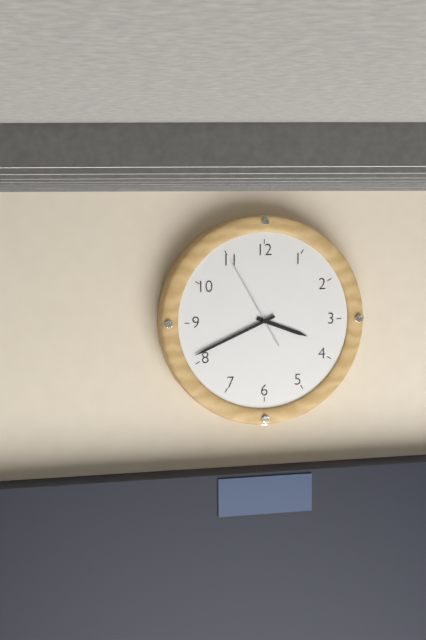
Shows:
3,41,55
